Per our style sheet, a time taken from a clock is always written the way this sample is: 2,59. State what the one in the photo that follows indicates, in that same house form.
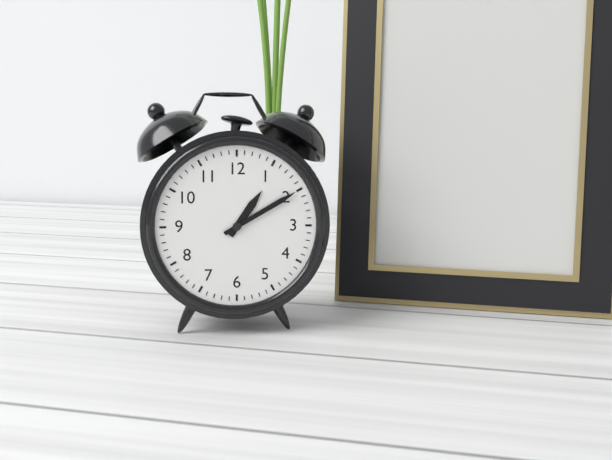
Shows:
1,10
